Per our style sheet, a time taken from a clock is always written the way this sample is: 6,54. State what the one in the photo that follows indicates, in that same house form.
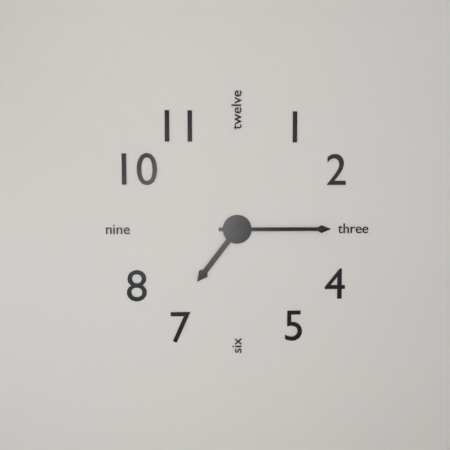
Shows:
7,15
